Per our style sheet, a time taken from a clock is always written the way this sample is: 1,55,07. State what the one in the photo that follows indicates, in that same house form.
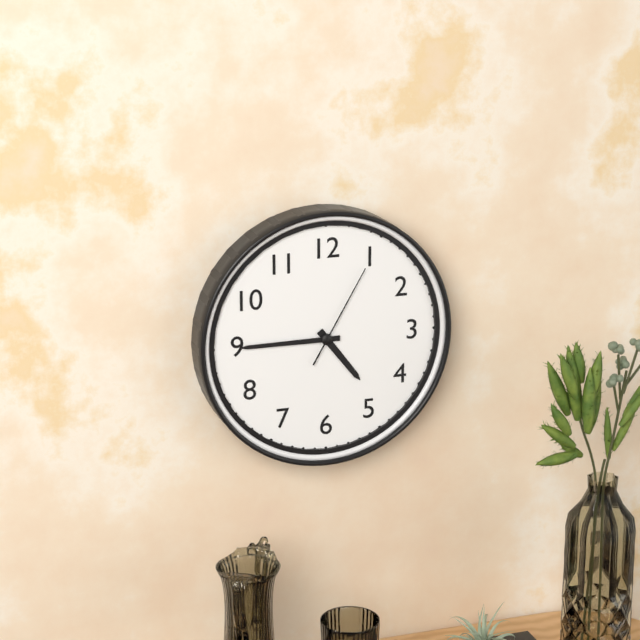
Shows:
4,45,05
